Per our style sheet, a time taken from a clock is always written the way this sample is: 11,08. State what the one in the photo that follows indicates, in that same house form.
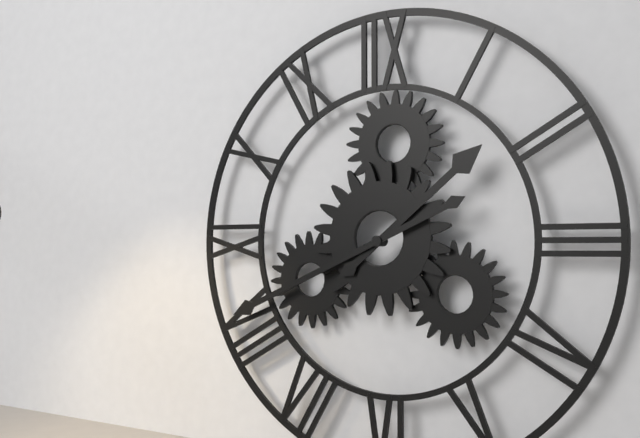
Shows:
1,41
